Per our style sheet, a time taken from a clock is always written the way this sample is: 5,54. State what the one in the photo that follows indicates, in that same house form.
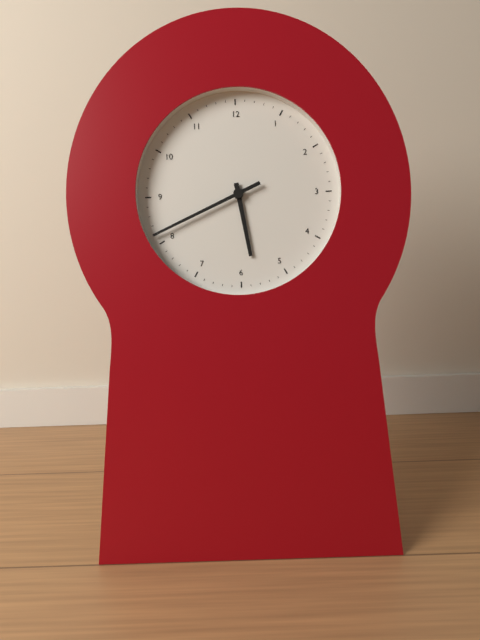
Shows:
5,41
